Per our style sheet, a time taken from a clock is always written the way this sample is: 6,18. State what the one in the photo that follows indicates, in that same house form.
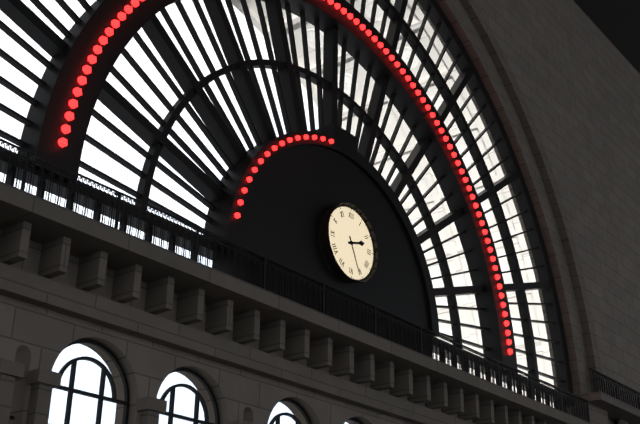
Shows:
2,26
